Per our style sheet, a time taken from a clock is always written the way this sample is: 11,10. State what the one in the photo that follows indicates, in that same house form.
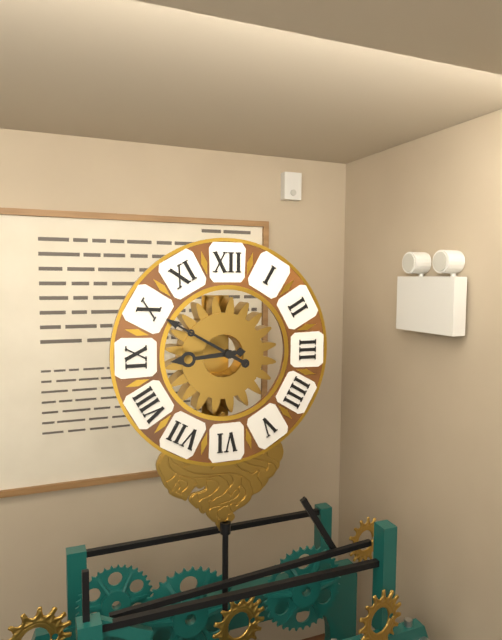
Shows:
8,50
